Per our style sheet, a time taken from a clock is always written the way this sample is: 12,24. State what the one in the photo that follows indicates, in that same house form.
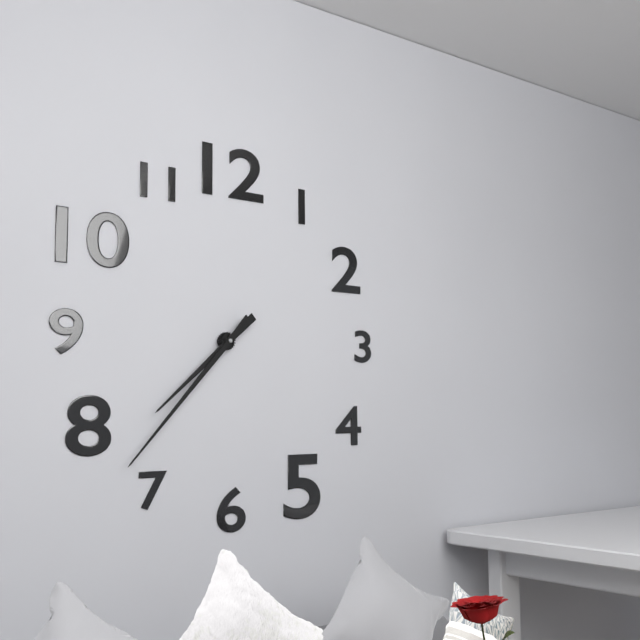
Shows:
7,37
